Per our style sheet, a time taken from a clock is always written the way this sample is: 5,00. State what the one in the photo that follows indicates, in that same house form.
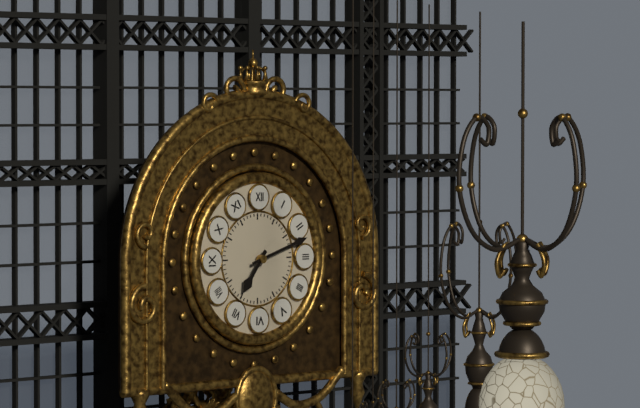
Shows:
7,12
